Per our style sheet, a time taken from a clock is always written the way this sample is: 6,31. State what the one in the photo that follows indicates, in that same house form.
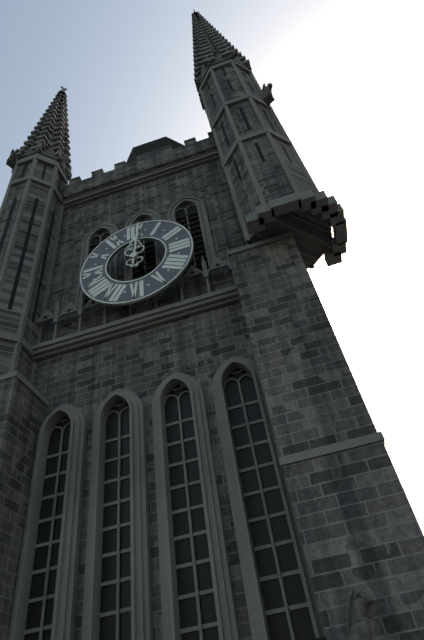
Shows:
12,01
